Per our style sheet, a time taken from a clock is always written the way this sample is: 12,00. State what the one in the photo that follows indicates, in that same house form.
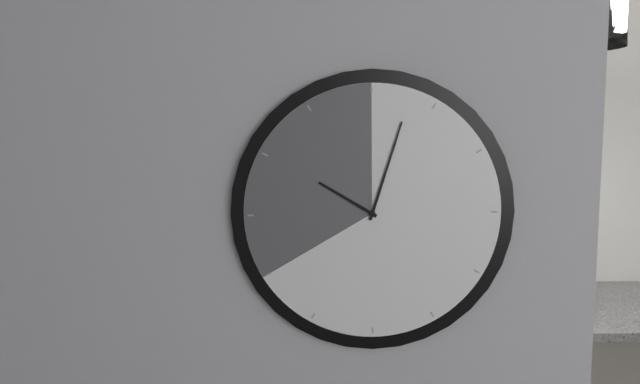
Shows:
10,03
